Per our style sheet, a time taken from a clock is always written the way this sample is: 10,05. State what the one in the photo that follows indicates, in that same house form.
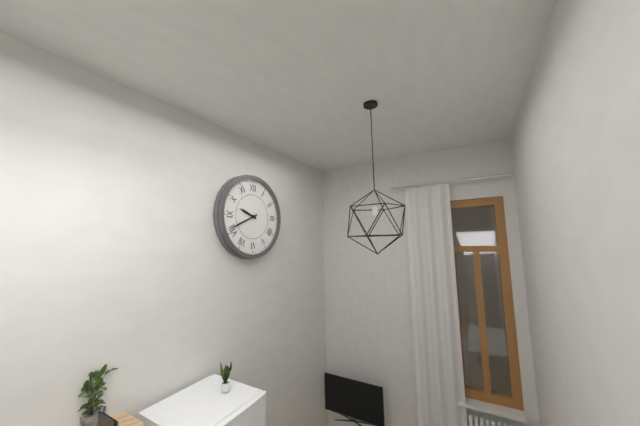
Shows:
9,41
